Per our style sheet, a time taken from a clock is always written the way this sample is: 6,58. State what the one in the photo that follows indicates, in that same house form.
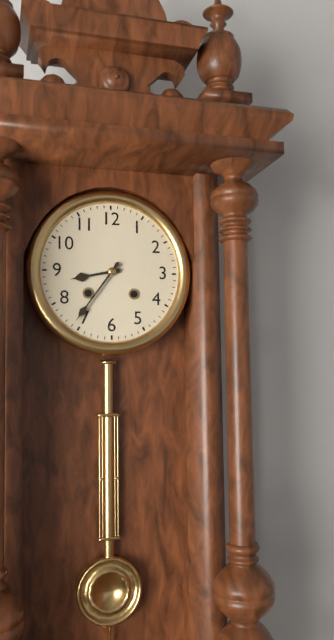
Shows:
8,36
